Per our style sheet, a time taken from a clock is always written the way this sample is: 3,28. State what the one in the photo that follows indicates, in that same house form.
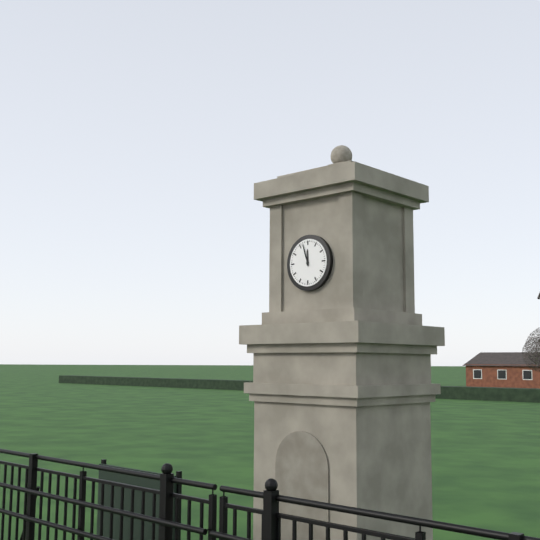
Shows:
11,57
